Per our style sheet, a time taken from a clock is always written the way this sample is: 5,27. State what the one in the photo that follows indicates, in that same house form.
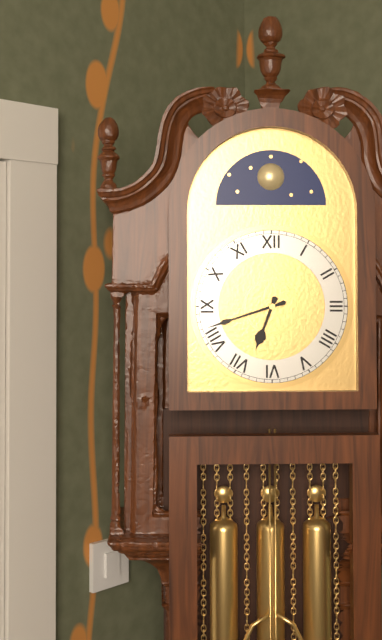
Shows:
6,42
